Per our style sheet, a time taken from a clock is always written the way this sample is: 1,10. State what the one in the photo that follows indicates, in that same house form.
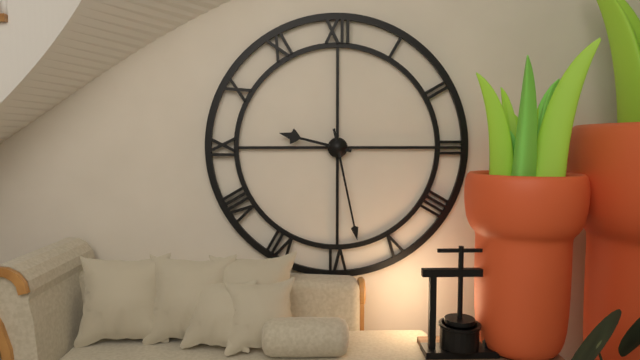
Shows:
9,28
